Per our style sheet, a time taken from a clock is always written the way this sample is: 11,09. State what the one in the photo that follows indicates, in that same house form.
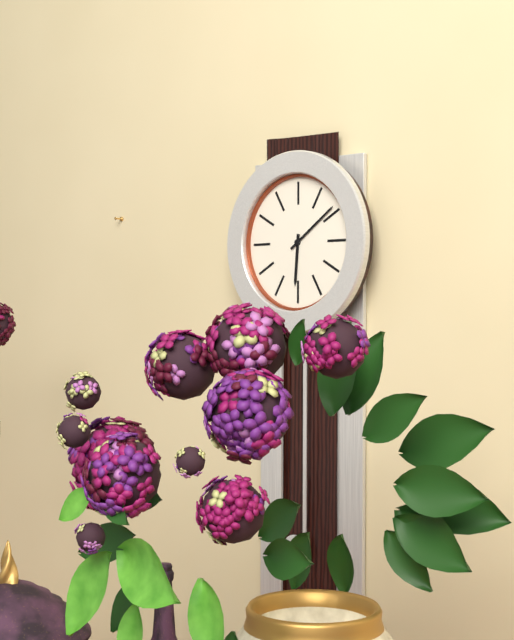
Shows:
6,09
